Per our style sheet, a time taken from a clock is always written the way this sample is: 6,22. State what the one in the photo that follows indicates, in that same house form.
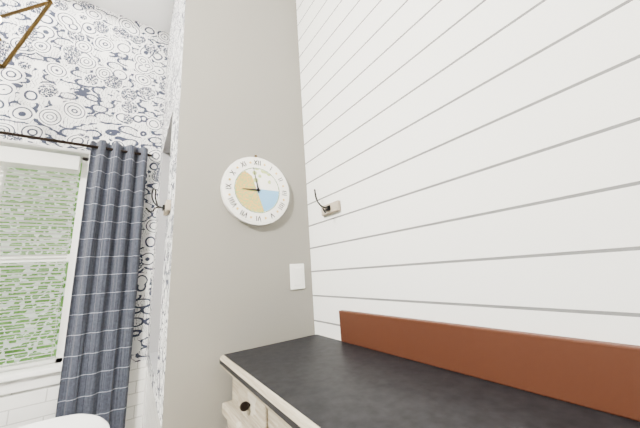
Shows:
8,58
